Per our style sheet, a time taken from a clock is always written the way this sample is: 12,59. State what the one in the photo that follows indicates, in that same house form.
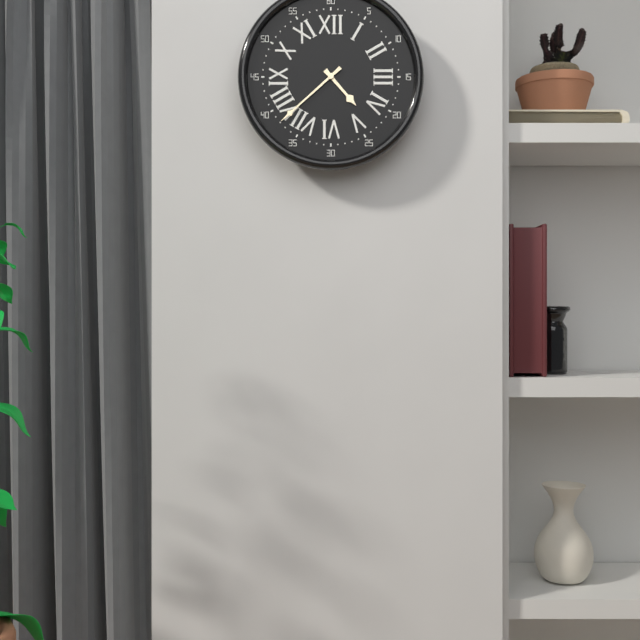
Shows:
4,38
